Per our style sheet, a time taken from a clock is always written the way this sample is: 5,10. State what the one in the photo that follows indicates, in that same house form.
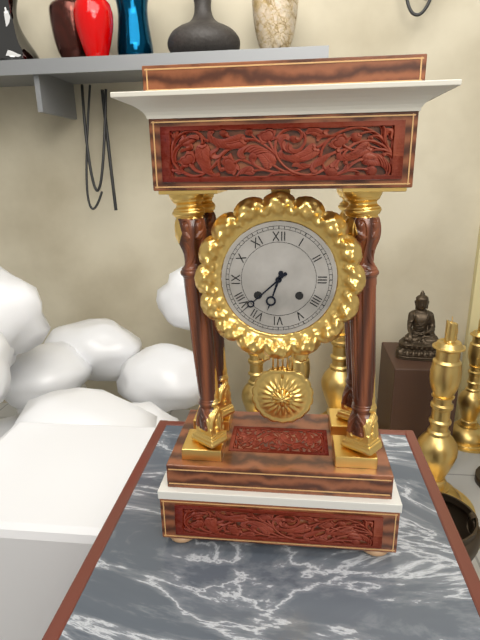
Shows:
6,38
